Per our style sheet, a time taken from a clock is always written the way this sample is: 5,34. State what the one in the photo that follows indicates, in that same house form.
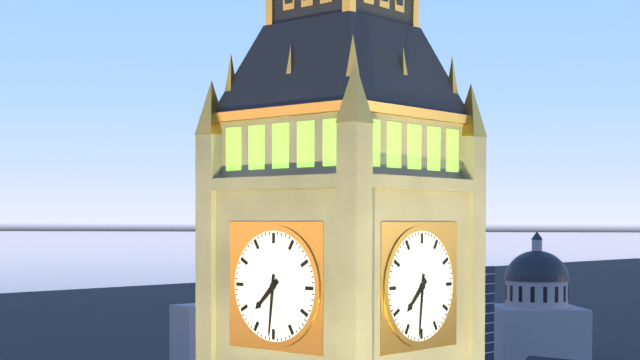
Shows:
7,31
